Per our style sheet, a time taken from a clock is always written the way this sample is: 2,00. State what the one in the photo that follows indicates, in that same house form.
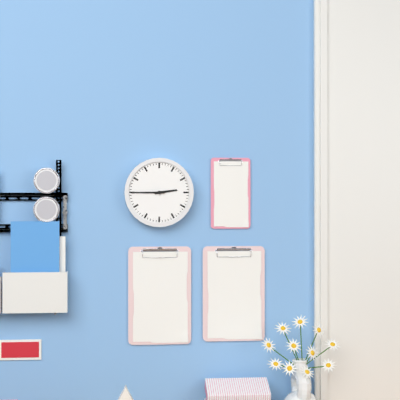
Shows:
2,45
